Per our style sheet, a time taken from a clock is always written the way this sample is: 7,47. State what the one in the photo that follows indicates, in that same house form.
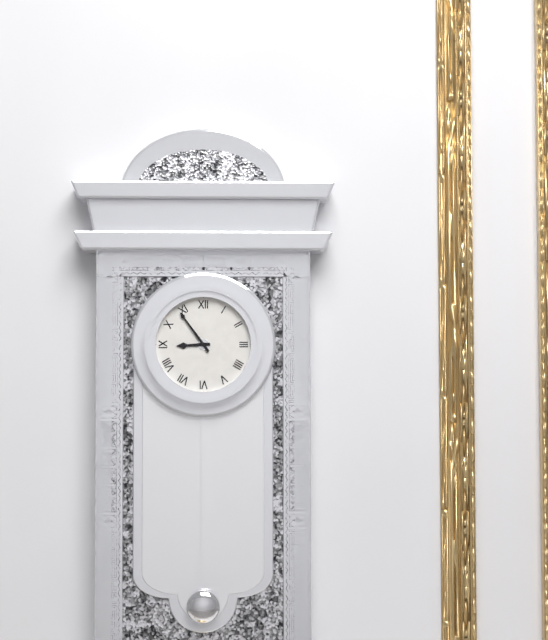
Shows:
8,54
